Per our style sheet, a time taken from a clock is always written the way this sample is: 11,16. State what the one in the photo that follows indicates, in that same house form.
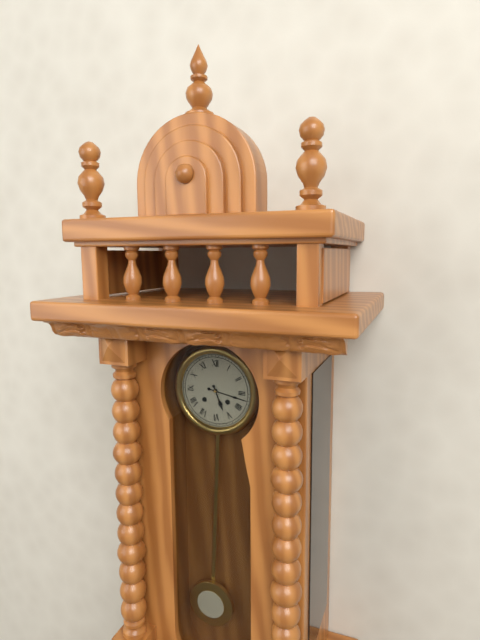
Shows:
5,17
